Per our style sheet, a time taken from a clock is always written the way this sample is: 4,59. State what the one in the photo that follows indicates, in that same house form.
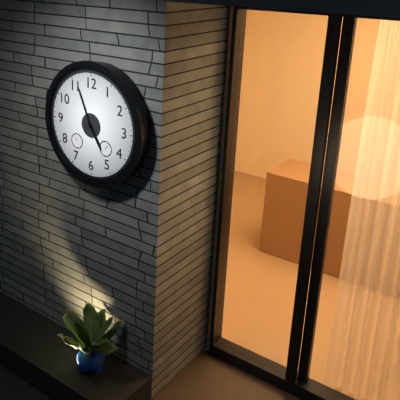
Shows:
4,56
